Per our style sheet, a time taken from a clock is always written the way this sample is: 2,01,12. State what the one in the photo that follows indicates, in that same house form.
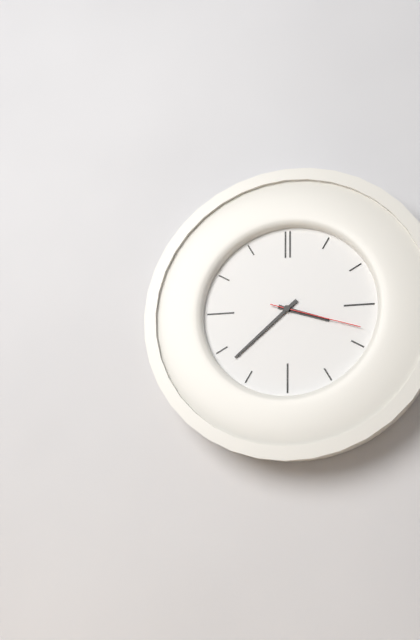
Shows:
3,38,18
